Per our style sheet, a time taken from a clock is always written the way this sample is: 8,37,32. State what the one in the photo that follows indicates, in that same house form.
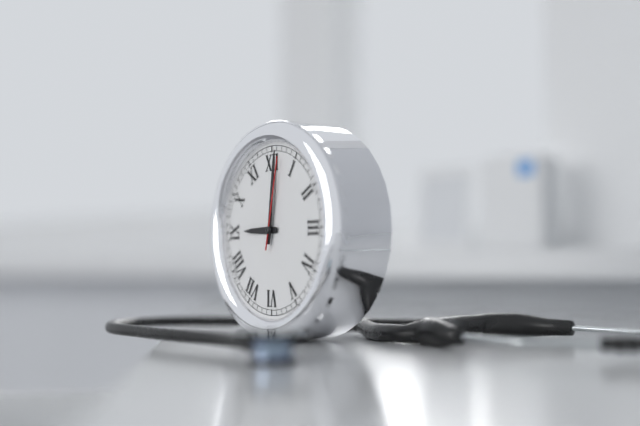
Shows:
9,01,02
